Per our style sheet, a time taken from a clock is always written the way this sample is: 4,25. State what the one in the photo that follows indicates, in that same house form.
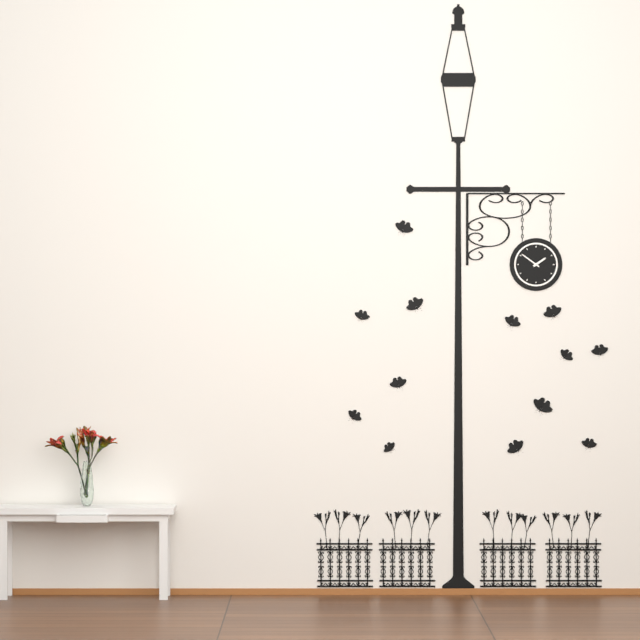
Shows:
1,51
